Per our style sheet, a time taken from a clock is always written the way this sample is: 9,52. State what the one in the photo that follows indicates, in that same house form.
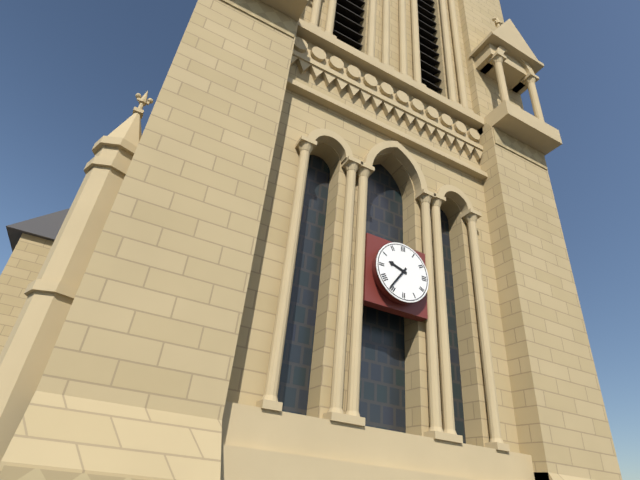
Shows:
9,36
